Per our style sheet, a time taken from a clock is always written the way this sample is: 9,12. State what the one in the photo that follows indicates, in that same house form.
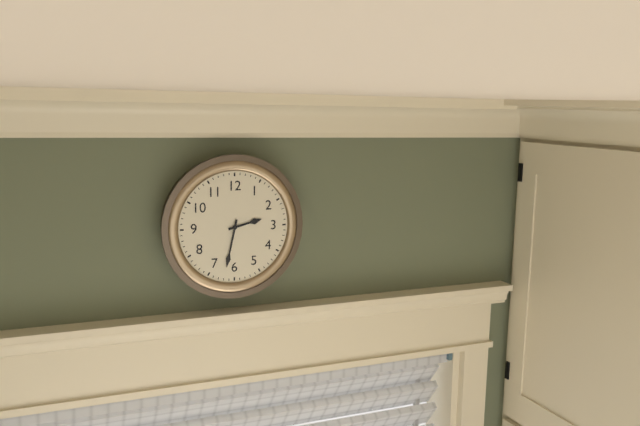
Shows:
2,32
